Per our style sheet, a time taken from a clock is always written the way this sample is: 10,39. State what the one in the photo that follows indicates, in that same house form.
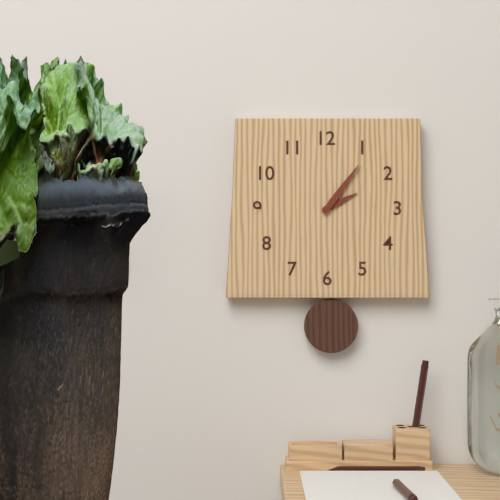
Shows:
2,06
